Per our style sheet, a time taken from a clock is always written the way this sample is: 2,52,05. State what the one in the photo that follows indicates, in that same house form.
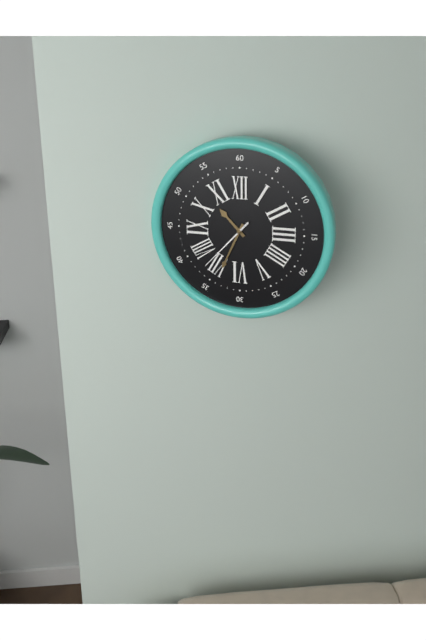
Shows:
10,34,37
